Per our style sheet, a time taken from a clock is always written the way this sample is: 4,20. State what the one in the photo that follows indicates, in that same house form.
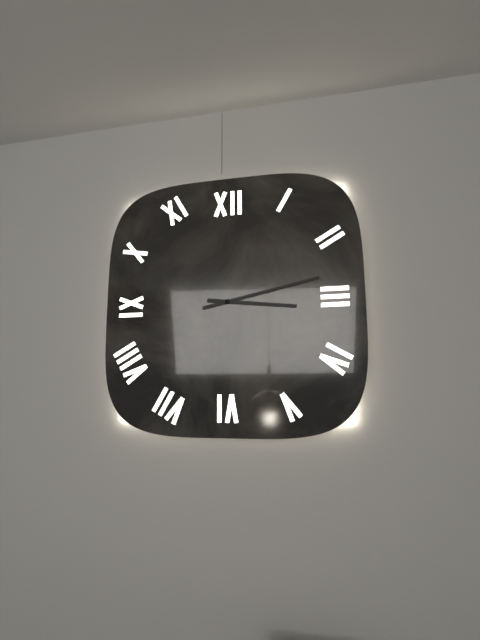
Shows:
3,13
